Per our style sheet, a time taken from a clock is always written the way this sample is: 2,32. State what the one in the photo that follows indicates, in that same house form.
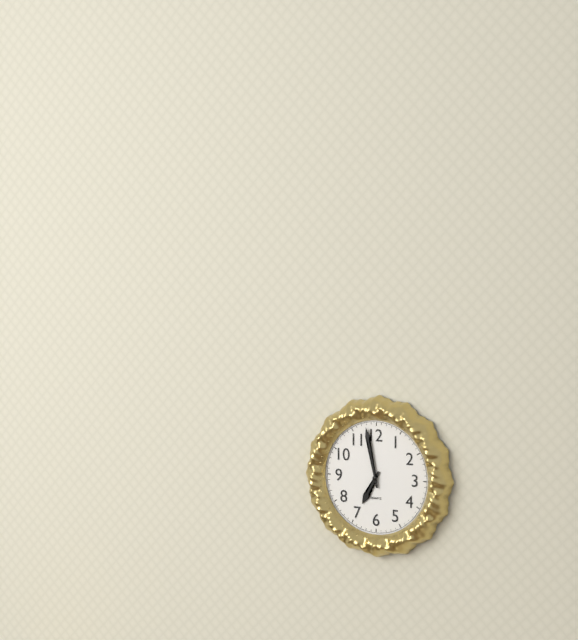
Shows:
6,58
